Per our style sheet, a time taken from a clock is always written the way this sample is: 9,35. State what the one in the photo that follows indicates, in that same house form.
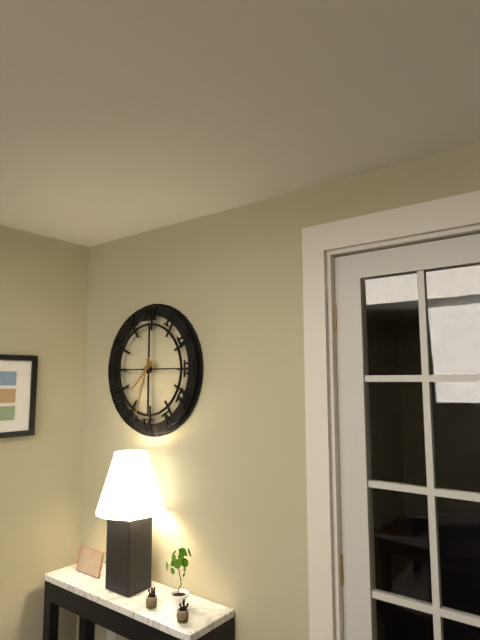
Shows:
7,33
